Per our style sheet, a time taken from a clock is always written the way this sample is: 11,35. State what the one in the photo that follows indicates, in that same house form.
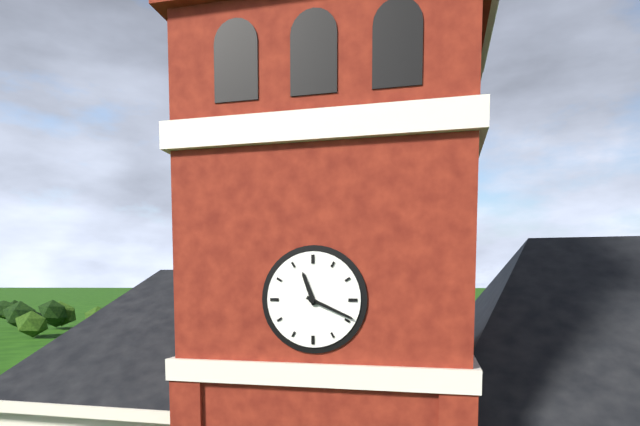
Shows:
11,19
